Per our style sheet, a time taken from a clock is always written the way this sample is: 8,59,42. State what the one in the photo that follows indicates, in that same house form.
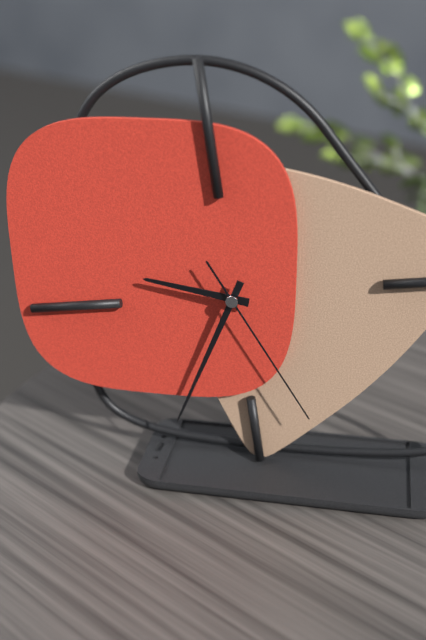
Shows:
9,35,26
